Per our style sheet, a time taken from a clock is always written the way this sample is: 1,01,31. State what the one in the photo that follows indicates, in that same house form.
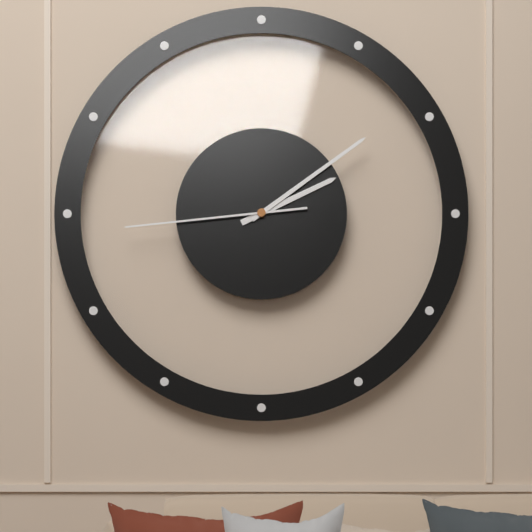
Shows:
2,09,44
